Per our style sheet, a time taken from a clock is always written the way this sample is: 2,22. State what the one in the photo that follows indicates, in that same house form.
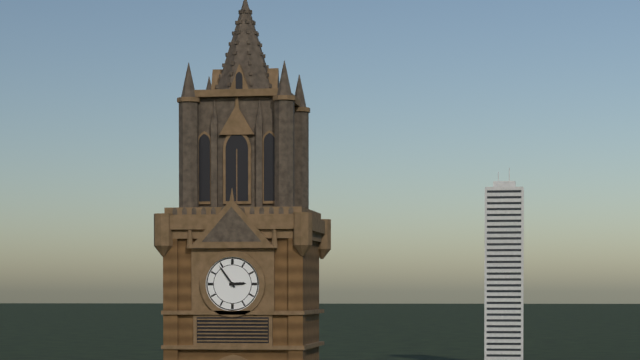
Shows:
2,54
